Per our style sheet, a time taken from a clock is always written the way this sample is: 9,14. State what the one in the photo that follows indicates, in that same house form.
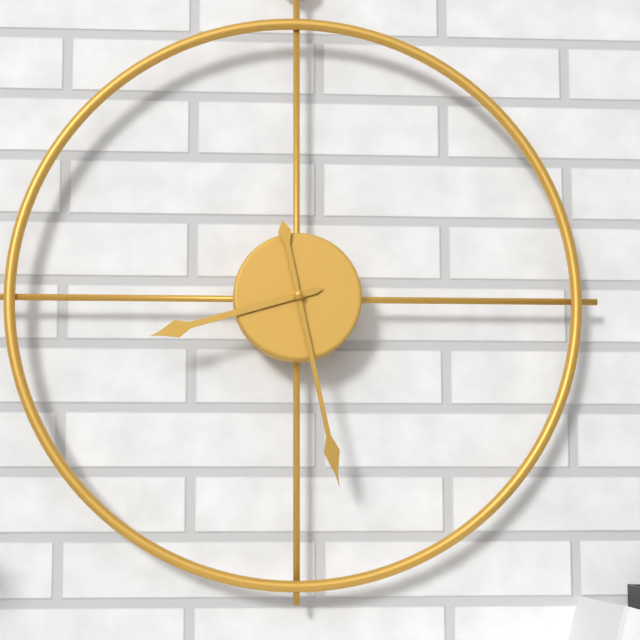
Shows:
8,28
